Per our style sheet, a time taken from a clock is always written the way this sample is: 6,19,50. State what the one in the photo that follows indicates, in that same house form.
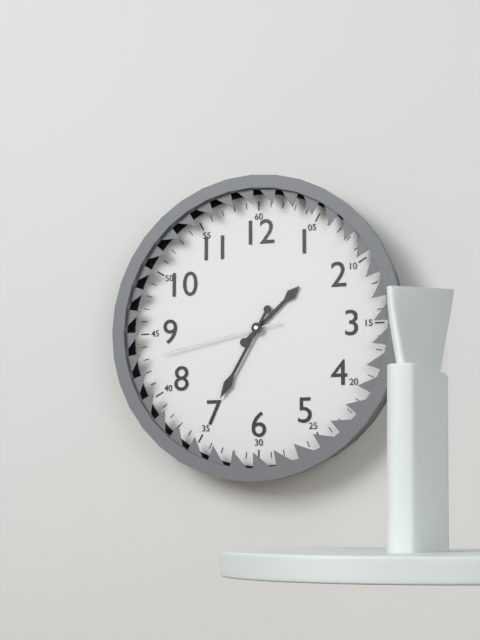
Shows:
1,35,43
